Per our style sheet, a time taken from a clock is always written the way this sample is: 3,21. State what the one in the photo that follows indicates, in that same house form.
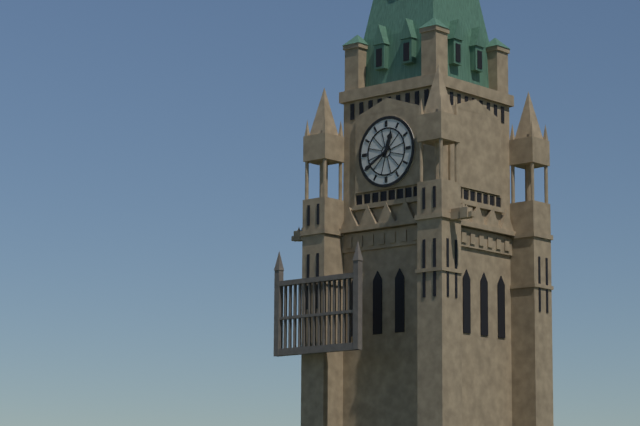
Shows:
12,40
